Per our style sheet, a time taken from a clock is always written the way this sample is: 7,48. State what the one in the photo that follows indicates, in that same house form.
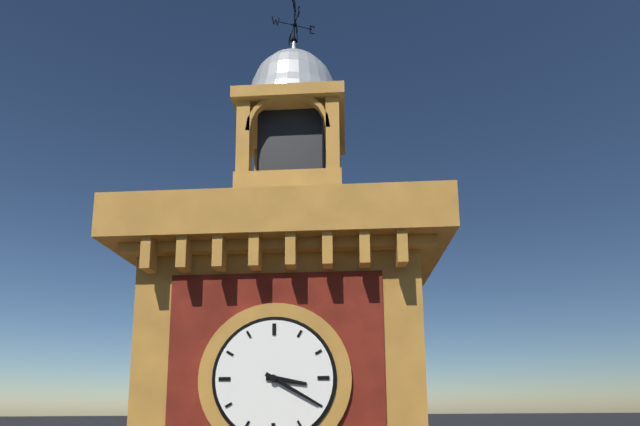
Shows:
3,20
